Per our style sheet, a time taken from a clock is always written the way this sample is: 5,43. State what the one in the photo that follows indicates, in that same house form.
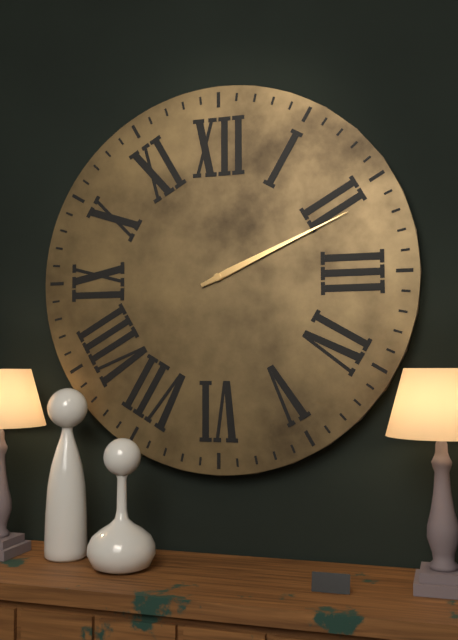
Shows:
2,11
